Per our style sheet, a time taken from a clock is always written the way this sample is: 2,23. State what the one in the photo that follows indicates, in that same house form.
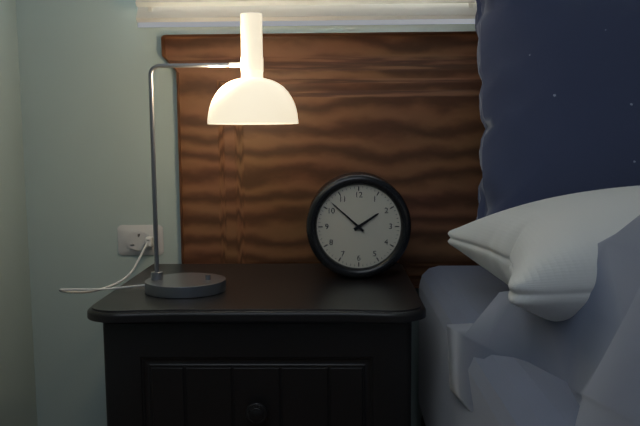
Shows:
1,52
